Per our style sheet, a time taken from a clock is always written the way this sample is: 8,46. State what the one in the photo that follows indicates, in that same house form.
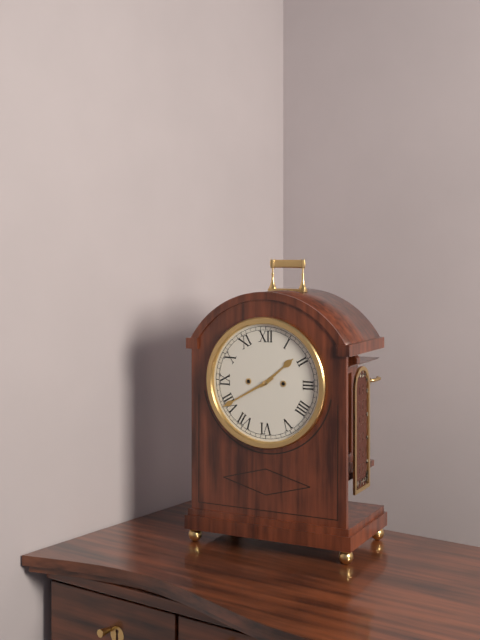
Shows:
1,40
